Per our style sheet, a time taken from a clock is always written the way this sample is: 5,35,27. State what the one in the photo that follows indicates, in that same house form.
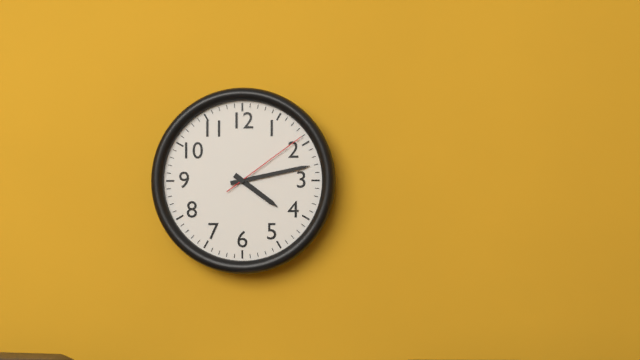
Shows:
4,13,09
